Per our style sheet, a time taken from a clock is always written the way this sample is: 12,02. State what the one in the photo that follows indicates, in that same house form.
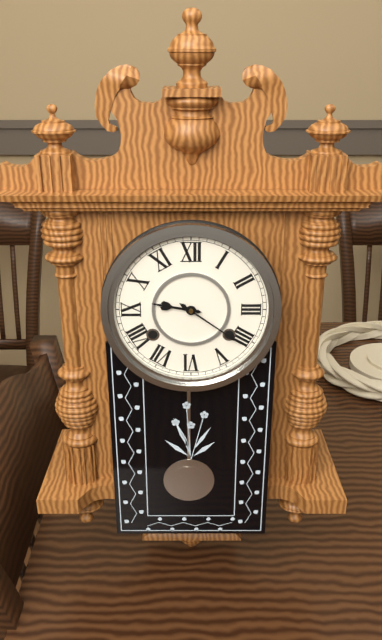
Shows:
9,21
